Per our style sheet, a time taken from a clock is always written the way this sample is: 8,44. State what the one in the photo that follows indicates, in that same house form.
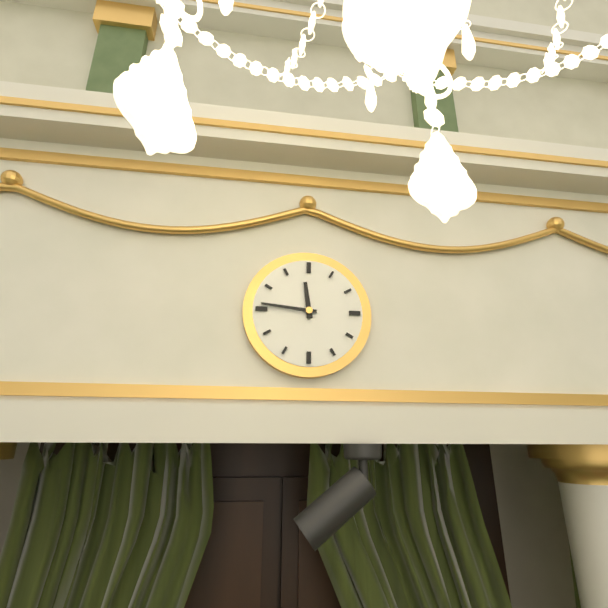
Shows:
11,46
